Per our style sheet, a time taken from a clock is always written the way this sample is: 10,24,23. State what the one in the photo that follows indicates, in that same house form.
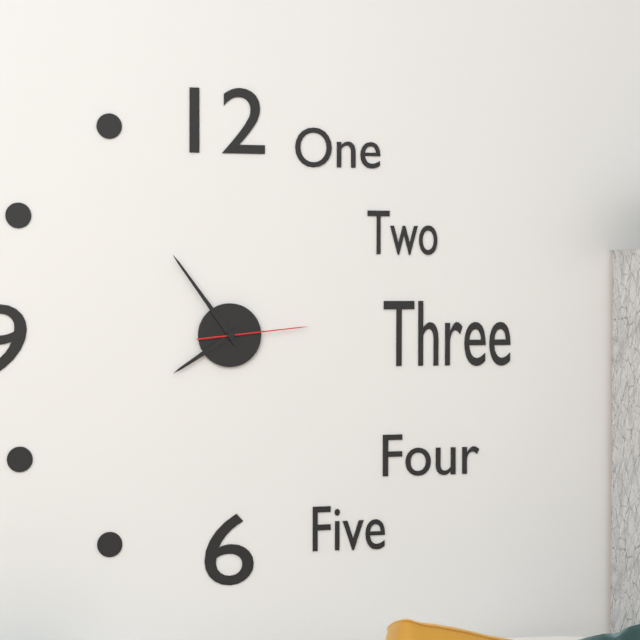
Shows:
7,54,14
